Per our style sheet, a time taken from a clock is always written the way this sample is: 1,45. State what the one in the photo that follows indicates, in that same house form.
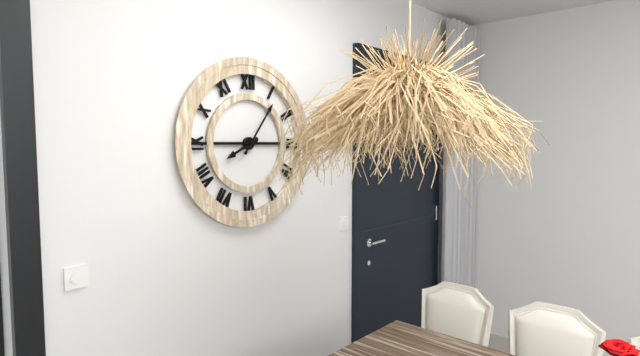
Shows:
8,06
